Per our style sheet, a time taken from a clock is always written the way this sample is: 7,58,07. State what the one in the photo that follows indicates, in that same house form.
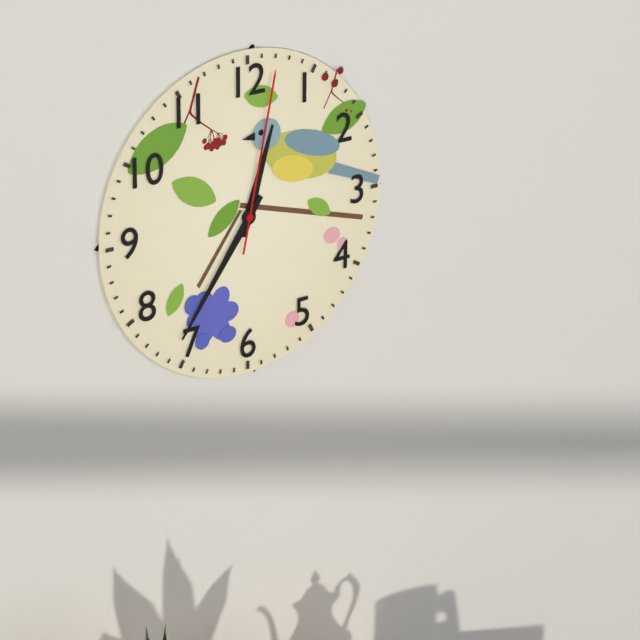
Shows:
12,36,02
